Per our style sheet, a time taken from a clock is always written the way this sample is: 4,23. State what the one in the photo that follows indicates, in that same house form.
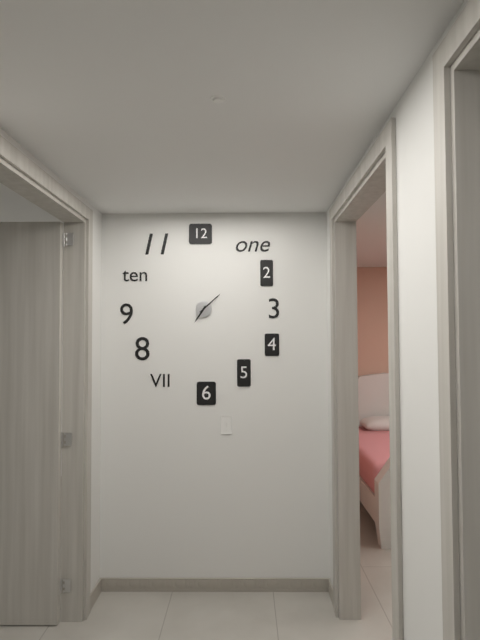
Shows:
7,08
